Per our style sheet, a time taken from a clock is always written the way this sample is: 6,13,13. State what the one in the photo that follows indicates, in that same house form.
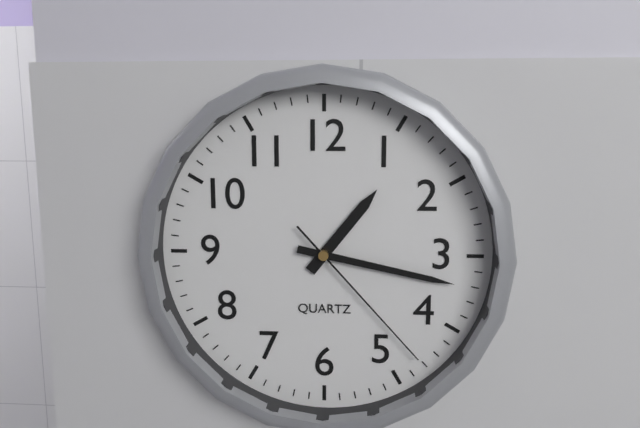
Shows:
1,17,23
